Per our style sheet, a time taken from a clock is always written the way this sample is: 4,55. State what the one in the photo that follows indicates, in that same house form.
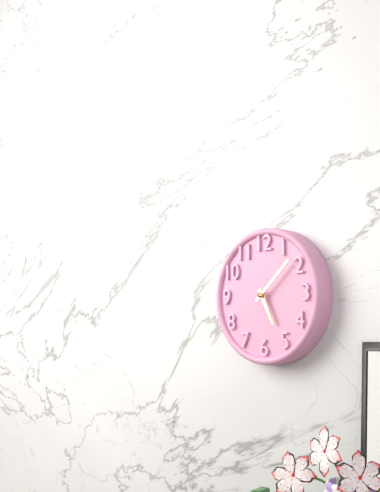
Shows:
5,08
